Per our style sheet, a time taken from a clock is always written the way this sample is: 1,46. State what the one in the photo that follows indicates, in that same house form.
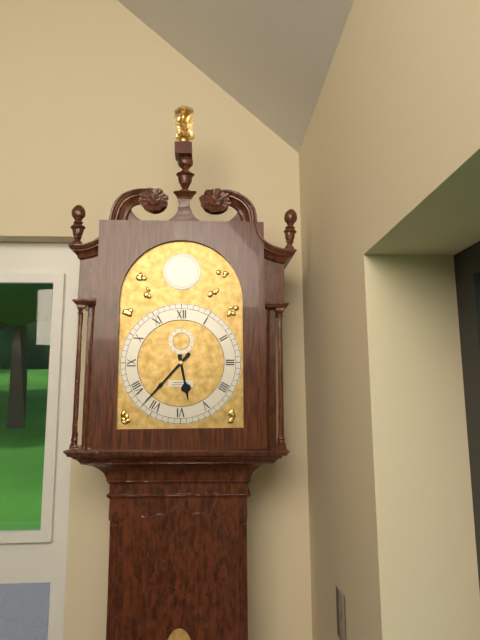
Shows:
5,37
